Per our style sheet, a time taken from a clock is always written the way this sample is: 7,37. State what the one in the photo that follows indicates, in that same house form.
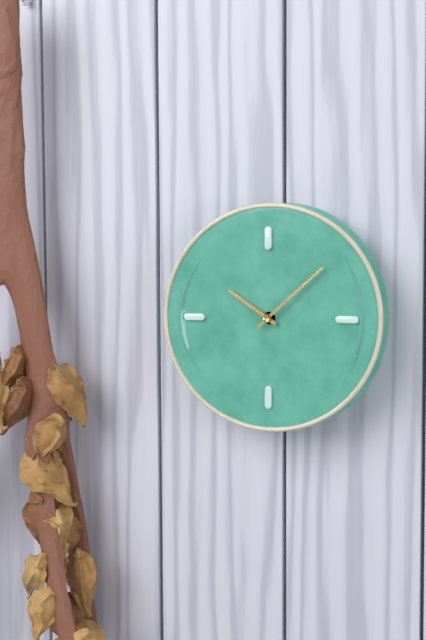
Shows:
10,08
